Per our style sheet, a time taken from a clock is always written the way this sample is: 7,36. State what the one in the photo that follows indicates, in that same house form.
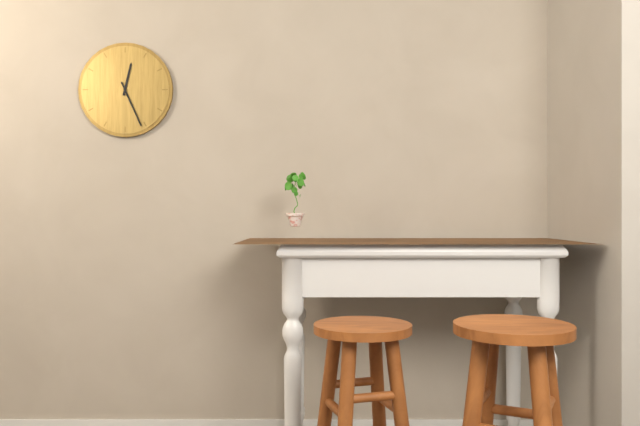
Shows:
12,26
